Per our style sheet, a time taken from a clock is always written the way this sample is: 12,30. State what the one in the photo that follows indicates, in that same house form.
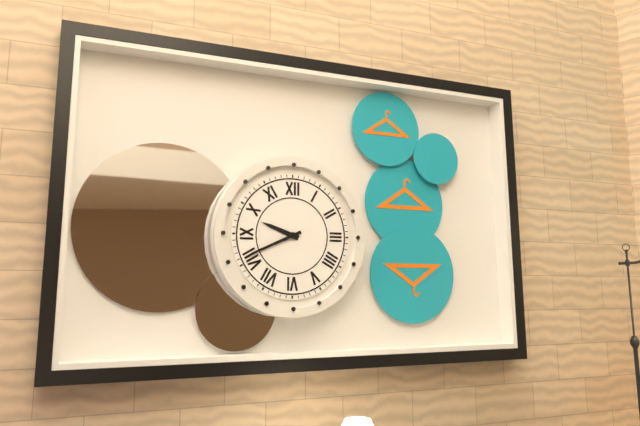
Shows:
9,41
